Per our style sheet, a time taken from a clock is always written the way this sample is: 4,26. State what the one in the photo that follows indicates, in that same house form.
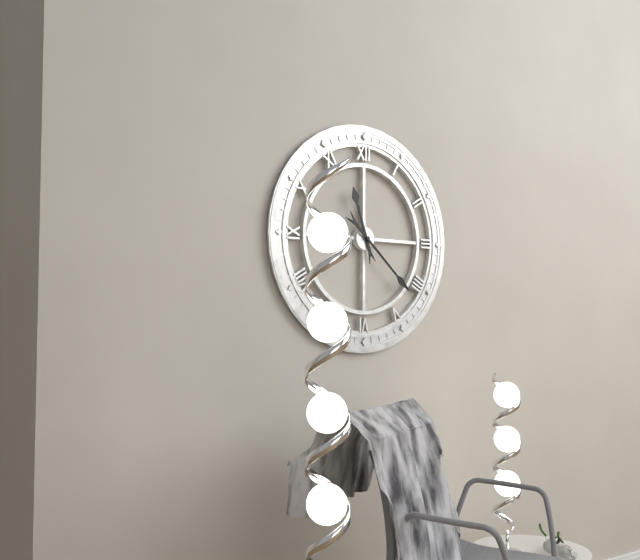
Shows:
11,22
